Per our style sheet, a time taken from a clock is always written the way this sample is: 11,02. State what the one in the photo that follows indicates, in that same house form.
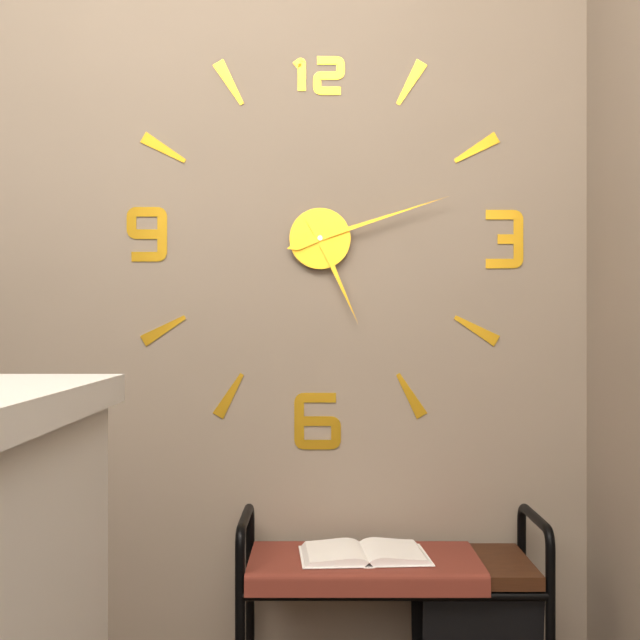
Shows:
5,12
